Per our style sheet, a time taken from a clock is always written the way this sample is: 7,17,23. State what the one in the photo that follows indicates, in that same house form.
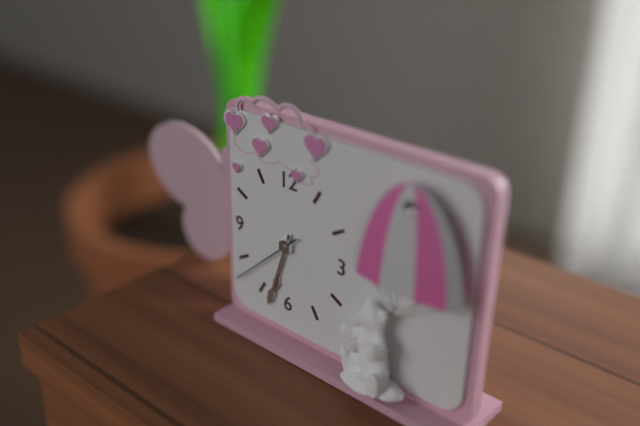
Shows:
6,33,38
